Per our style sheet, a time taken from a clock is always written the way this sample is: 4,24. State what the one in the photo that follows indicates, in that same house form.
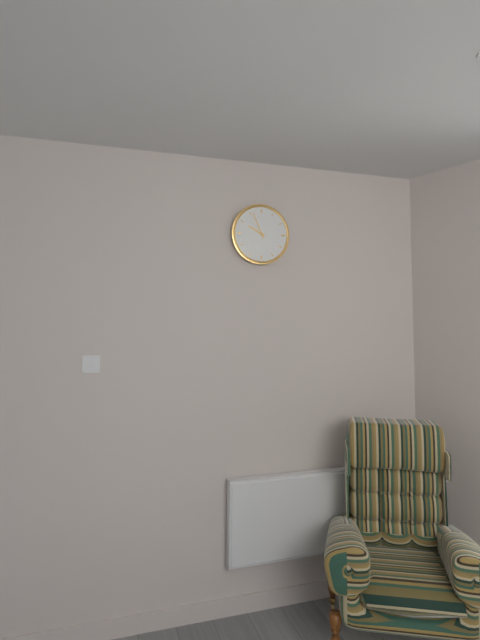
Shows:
9,56
